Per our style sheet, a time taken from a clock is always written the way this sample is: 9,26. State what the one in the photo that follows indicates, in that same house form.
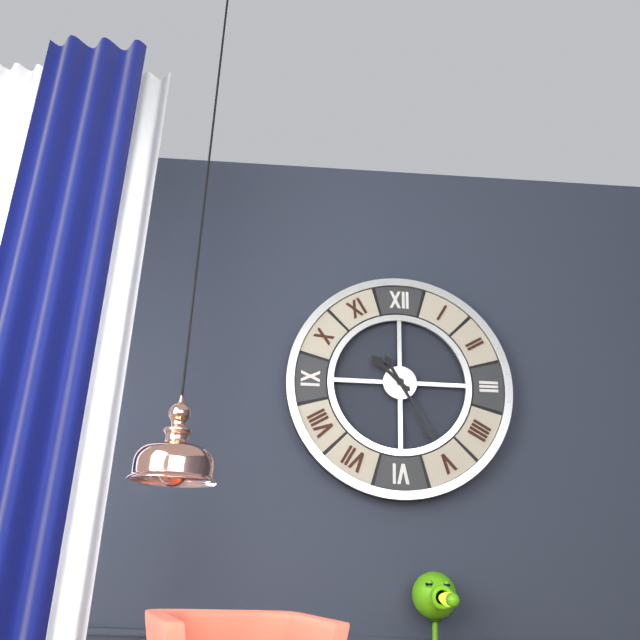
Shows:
10,25
